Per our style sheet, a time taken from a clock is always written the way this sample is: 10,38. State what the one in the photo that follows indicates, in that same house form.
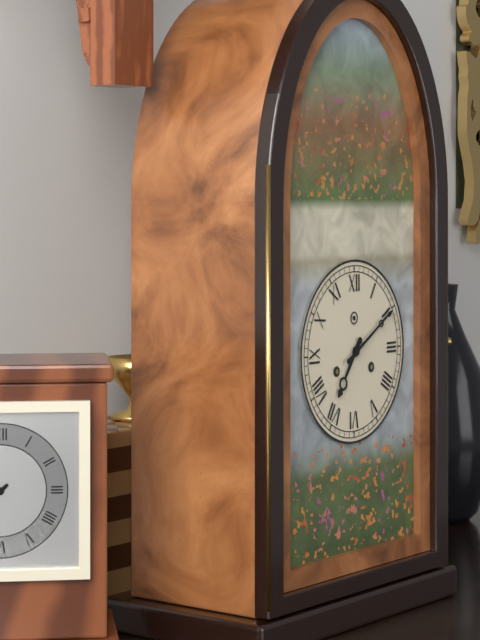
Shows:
7,10
